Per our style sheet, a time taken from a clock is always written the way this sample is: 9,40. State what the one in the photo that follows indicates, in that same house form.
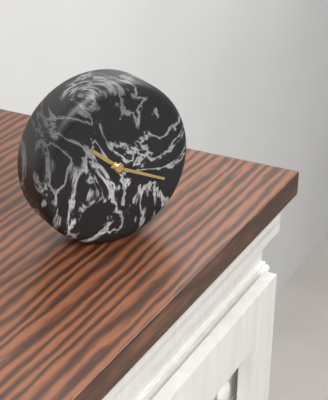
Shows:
10,19
